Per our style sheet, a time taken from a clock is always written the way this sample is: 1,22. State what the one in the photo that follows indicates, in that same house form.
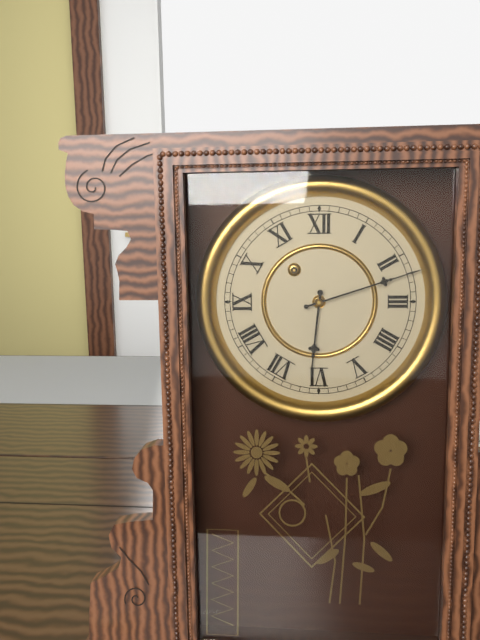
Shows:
6,12
